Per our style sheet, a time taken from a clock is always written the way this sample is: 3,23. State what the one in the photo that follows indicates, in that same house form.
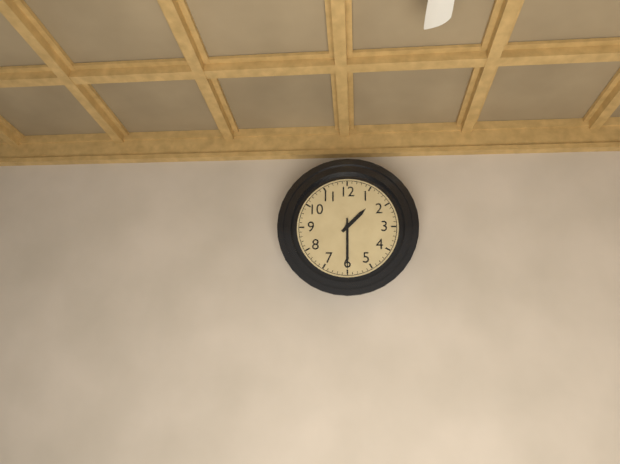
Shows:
1,30
